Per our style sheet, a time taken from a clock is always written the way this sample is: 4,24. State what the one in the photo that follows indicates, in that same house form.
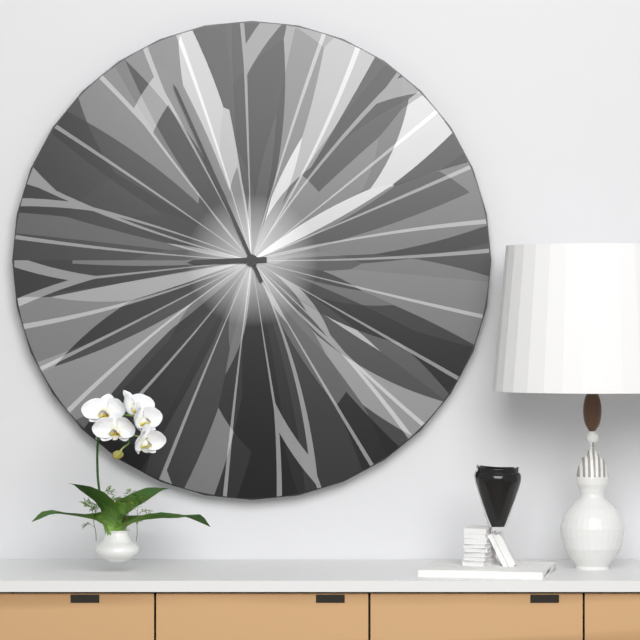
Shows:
8,56
